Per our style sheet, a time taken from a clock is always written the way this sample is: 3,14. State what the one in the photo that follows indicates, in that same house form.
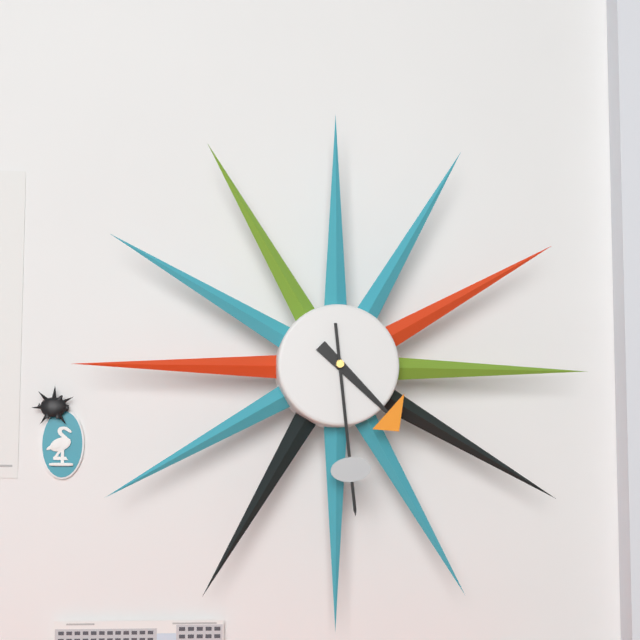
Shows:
4,29
